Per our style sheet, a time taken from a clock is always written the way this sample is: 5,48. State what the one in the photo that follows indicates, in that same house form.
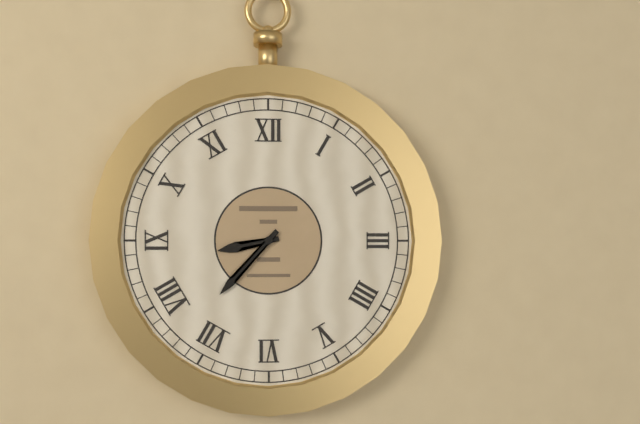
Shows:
8,37
